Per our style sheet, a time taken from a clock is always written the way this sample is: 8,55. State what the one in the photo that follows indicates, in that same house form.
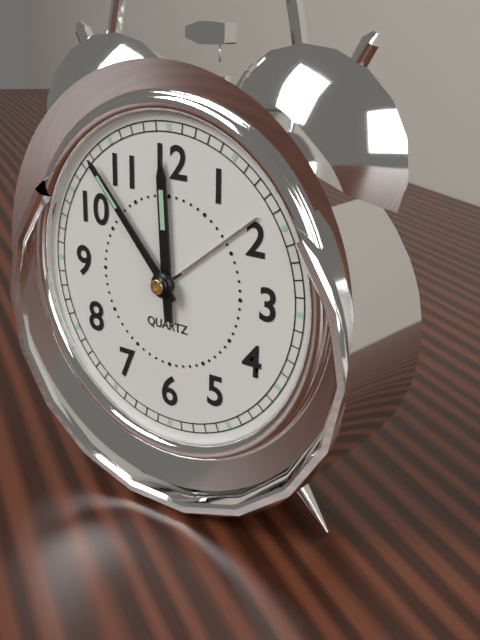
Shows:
11,53
